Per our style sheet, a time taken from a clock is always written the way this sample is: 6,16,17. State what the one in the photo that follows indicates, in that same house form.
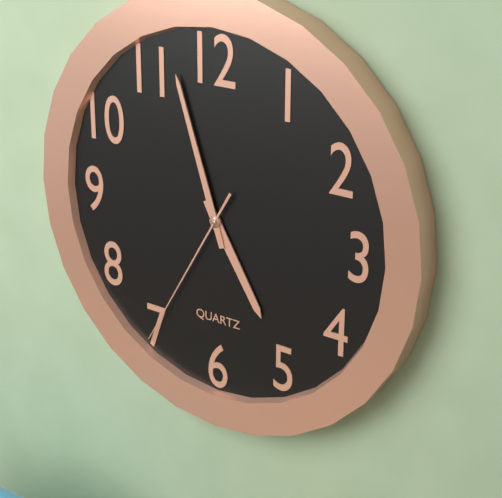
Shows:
4,57,35
